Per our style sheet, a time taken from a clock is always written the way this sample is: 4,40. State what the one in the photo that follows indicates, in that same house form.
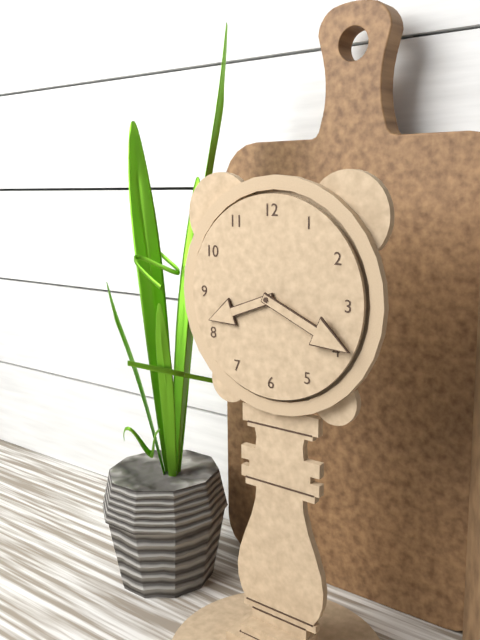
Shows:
8,19
